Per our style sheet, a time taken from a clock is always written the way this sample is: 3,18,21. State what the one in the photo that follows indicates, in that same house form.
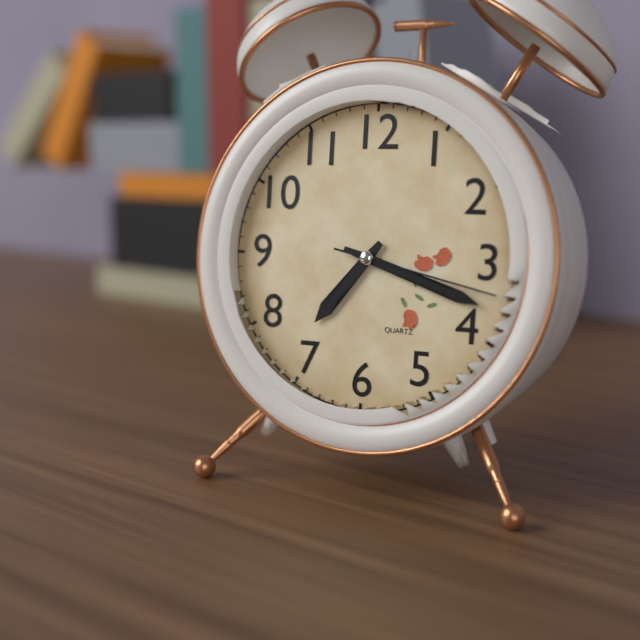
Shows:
7,18,17
